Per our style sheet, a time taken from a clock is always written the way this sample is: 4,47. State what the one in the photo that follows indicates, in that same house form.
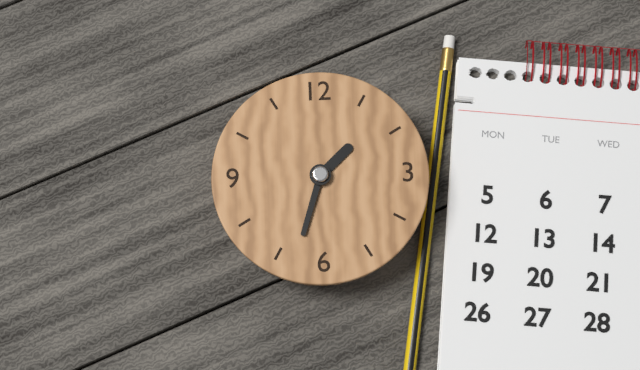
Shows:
1,33
